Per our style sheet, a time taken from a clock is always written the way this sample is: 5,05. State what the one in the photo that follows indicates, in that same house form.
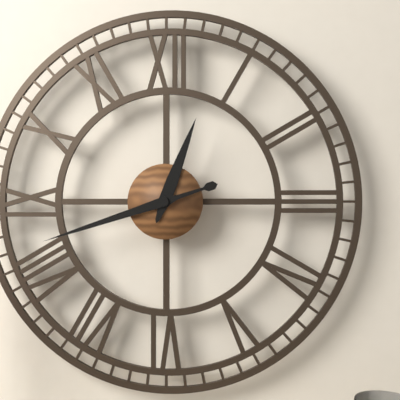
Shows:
12,42
